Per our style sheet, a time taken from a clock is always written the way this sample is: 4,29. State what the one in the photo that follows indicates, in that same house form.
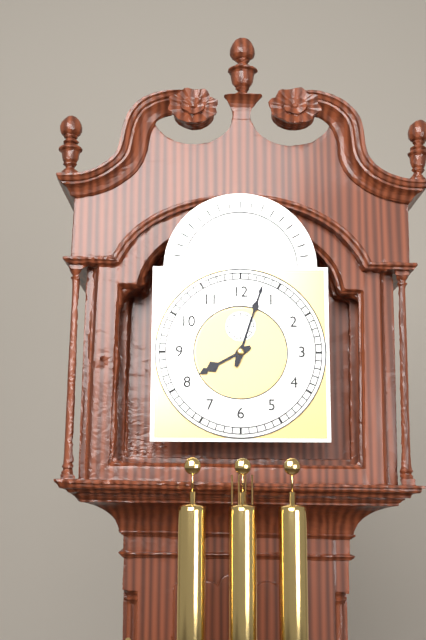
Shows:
8,03
